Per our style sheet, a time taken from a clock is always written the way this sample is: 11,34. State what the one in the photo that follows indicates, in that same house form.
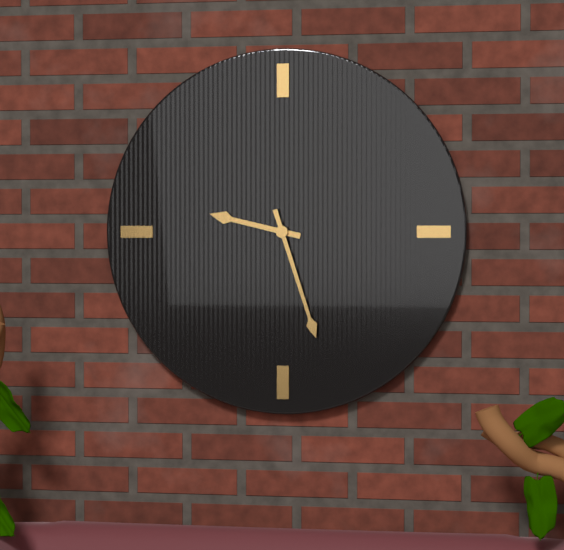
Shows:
9,27
